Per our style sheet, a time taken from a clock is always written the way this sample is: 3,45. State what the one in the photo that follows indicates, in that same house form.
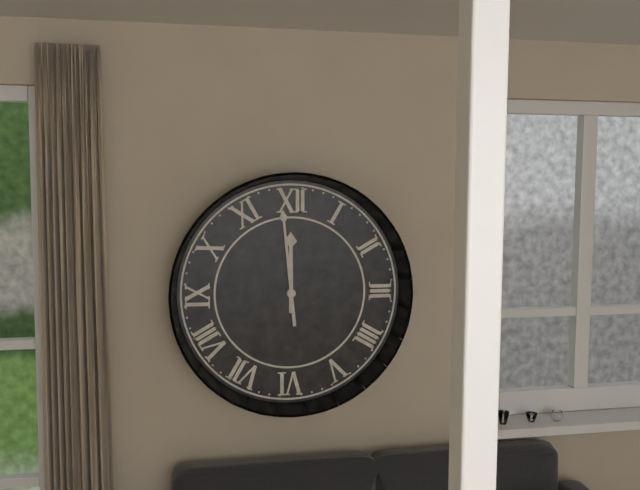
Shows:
11,59
